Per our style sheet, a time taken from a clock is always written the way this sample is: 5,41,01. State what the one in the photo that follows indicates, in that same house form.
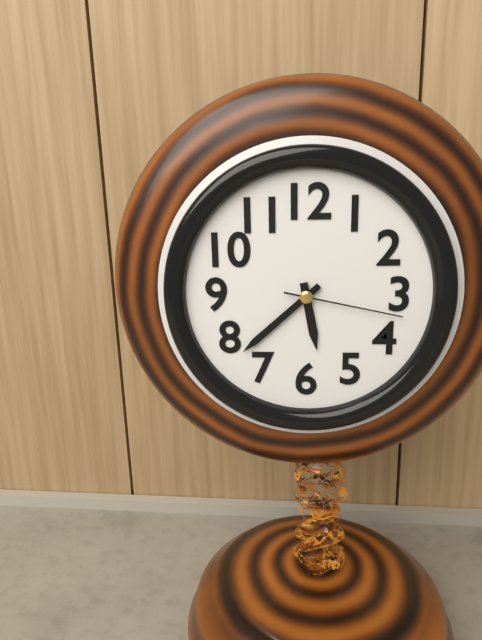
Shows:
5,38,17
